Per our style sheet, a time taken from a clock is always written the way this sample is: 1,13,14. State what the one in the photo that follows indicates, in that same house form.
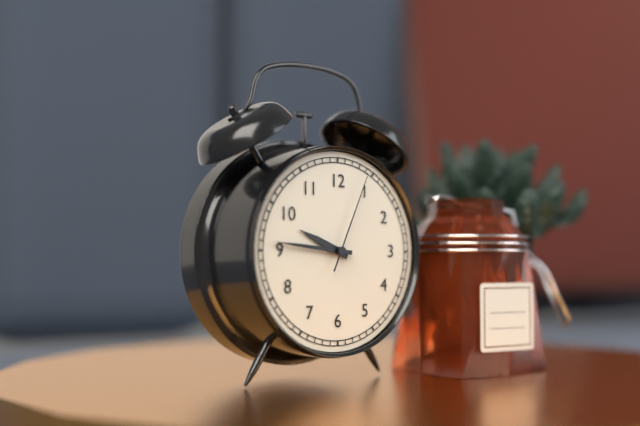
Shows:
9,46,04
